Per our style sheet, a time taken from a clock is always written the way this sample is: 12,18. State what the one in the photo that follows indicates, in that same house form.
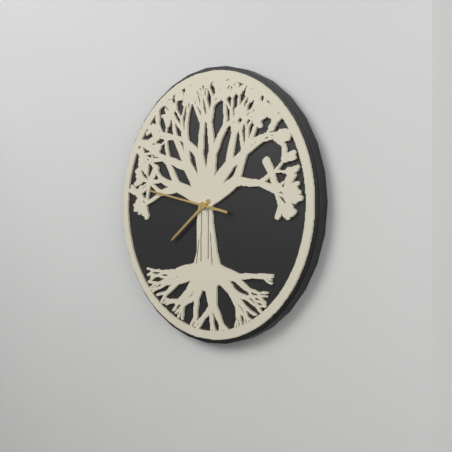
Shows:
7,47
